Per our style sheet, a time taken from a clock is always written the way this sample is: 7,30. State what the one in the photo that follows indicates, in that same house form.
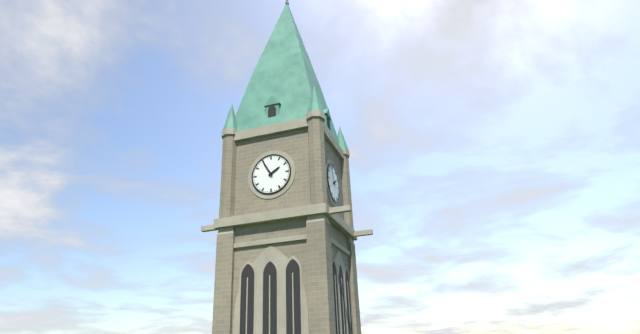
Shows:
1,55
